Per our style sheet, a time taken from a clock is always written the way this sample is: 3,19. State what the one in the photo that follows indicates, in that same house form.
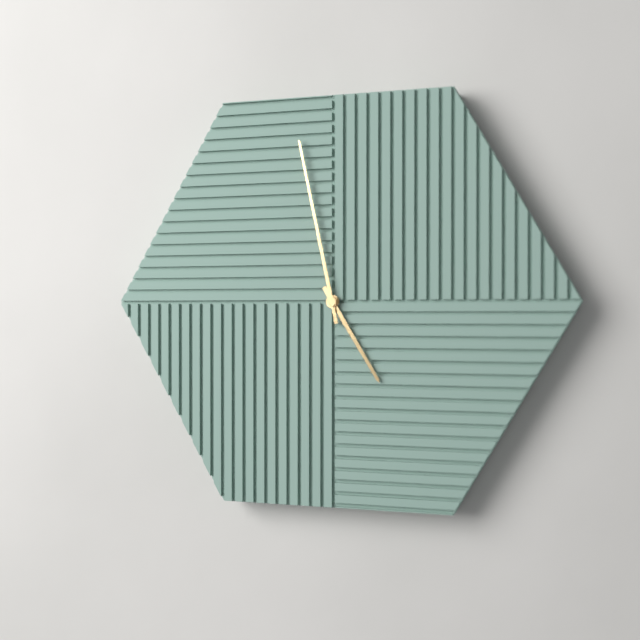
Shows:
4,58
